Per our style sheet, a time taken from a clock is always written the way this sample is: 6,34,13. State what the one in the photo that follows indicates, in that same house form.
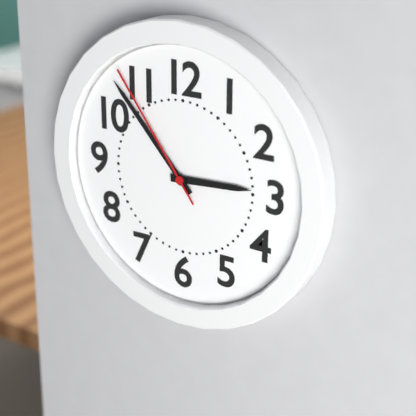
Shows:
2,53,54
